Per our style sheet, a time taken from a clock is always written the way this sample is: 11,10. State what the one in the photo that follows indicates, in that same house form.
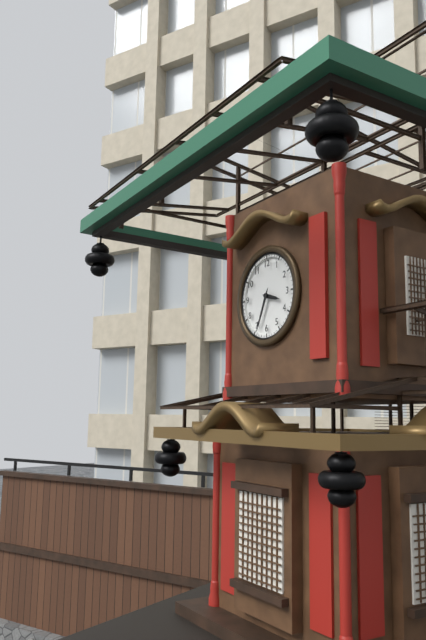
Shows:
3,34
